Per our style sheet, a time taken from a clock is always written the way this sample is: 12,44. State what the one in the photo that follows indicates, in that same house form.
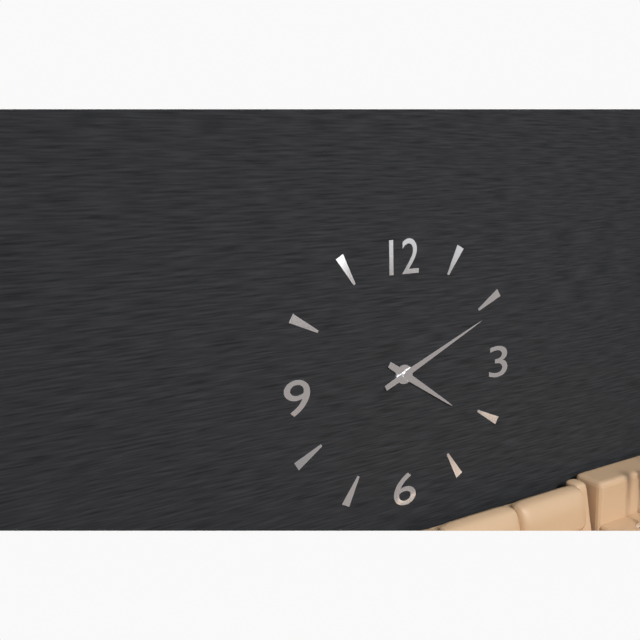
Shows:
4,11
